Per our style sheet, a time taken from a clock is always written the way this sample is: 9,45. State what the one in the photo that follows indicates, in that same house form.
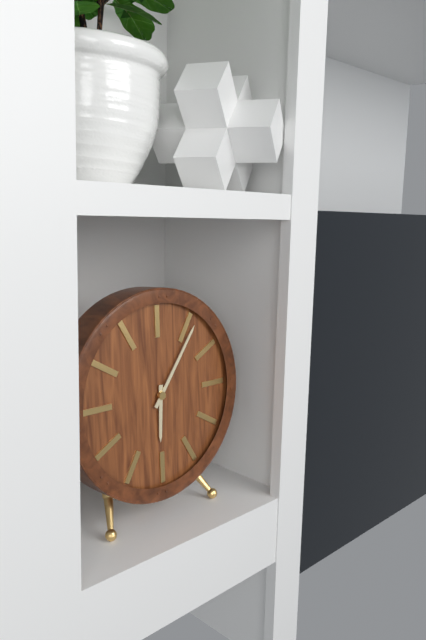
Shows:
6,06
